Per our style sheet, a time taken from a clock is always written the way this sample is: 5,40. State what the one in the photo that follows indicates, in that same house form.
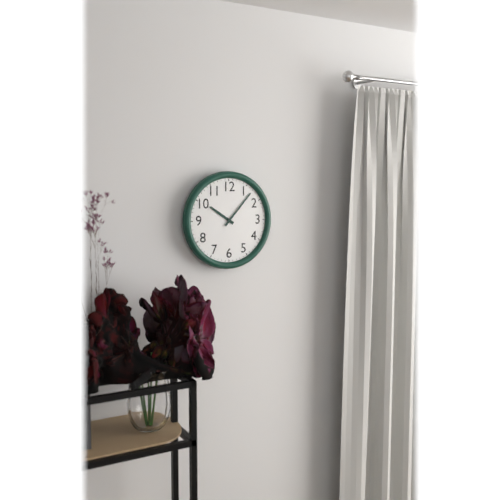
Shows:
10,07
